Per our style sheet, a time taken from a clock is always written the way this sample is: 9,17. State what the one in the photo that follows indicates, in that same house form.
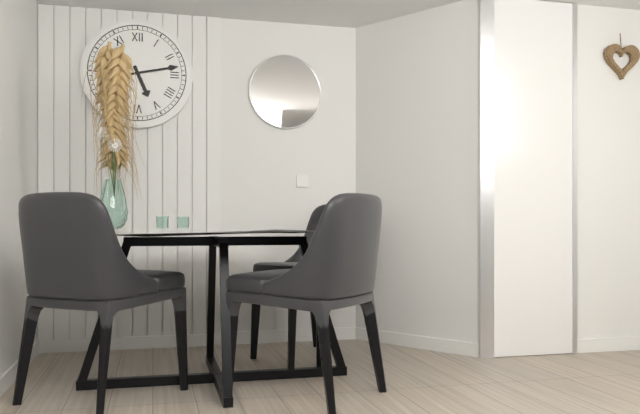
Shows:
5,13
